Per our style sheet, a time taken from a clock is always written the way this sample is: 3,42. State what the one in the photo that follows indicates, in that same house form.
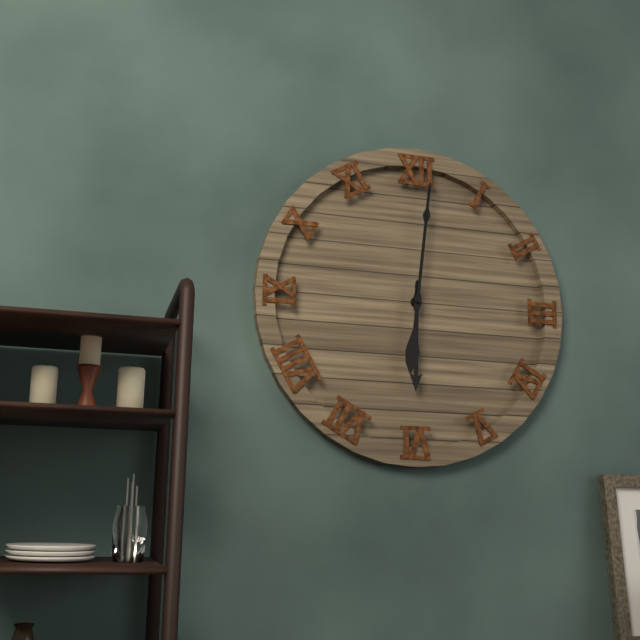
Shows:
6,01
